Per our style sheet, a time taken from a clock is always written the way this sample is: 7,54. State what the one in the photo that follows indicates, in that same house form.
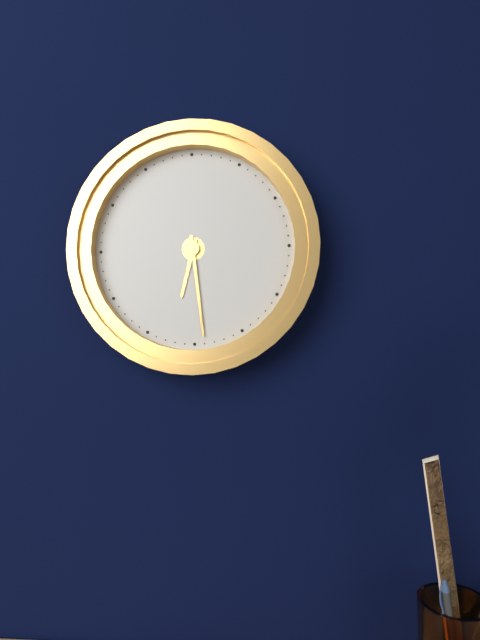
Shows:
6,29
